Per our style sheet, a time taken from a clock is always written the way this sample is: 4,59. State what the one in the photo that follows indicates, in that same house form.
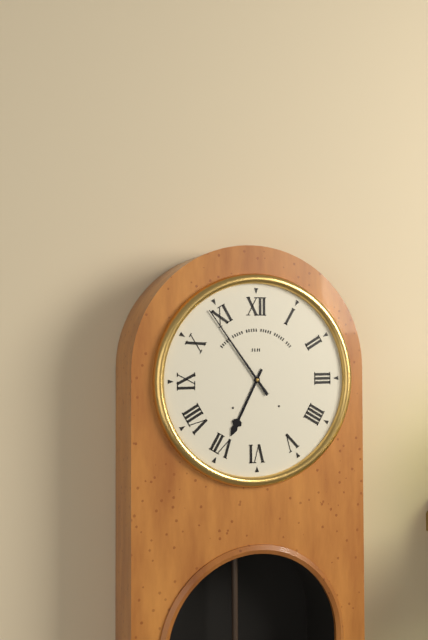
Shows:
6,54
